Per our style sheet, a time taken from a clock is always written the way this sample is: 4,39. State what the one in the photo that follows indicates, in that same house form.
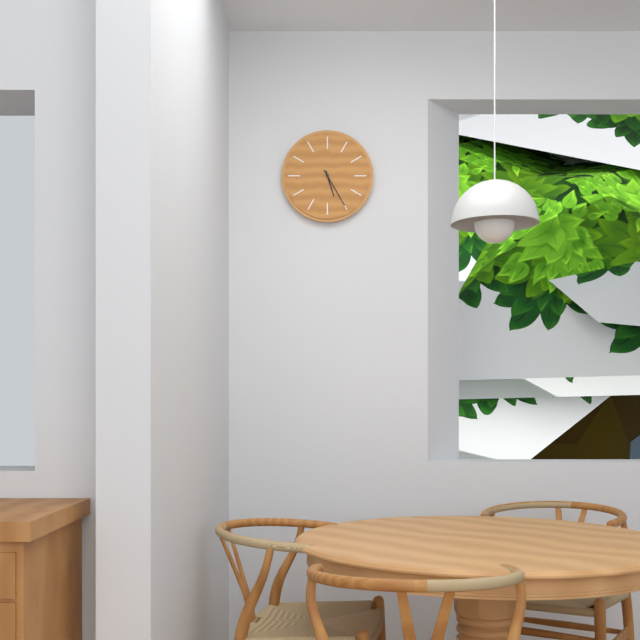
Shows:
5,25
